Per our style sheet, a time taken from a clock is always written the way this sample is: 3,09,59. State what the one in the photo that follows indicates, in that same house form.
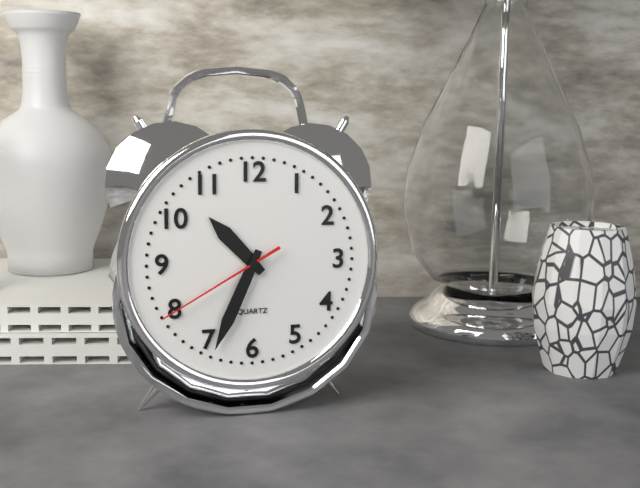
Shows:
10,34,40
